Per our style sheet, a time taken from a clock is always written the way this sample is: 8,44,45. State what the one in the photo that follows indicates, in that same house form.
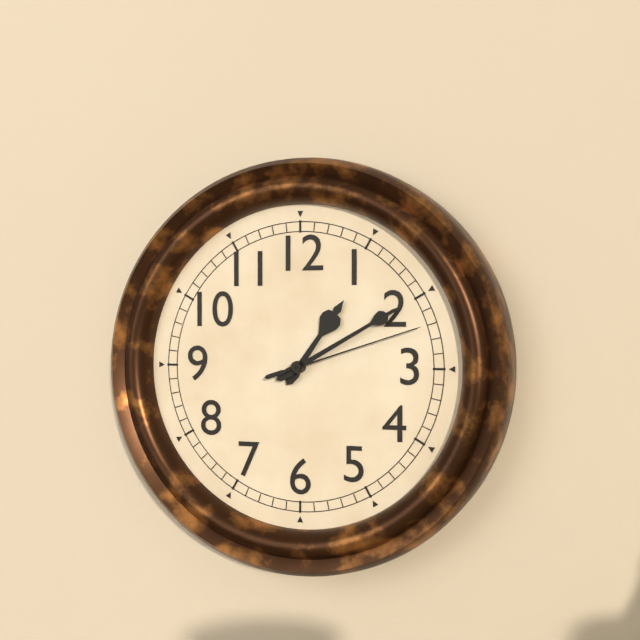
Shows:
1,10,12
